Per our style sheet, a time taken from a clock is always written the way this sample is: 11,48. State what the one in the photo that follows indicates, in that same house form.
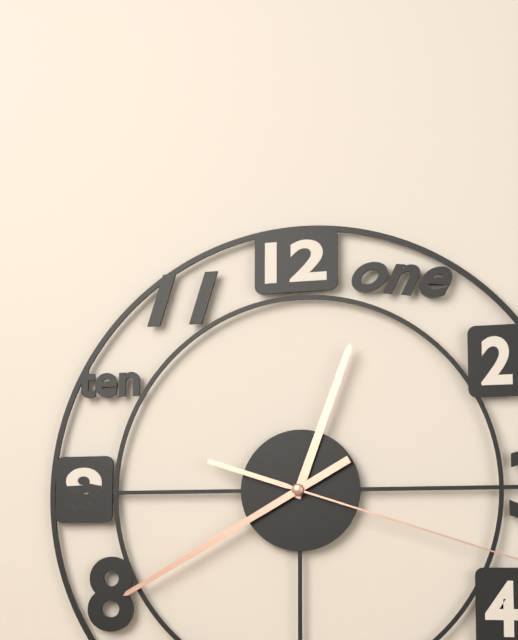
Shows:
12,40
